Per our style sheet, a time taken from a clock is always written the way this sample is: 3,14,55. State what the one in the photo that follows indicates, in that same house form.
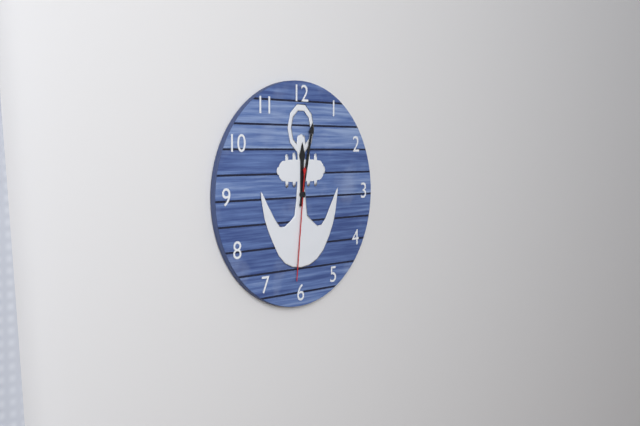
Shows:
12,02,31
